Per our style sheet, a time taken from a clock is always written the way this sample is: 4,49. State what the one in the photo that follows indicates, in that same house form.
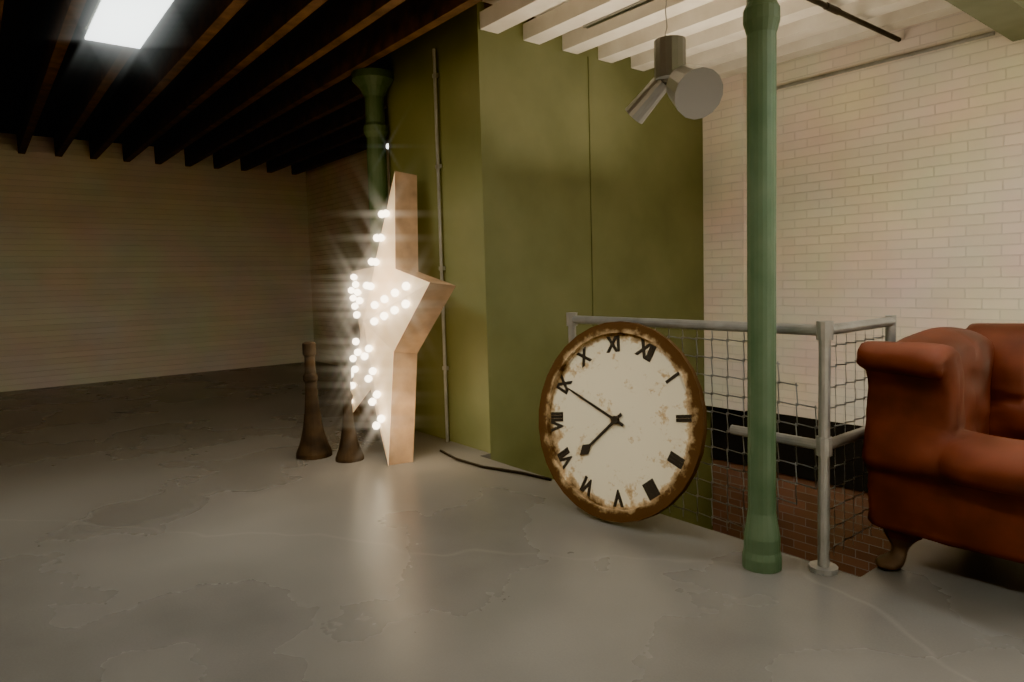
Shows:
6,45
